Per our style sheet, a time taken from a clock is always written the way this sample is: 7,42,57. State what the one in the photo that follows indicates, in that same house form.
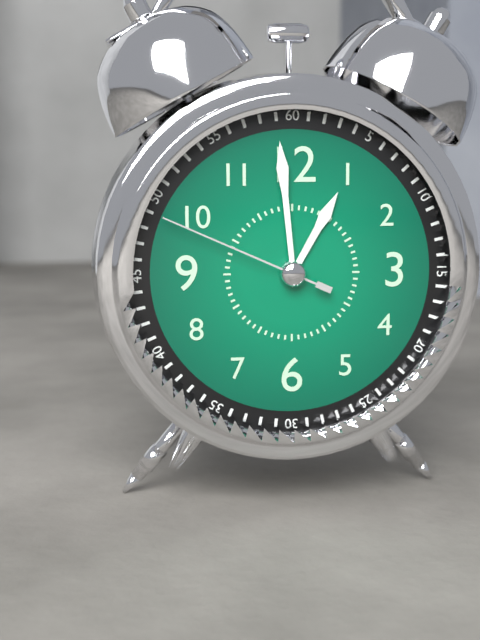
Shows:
12,59,49
